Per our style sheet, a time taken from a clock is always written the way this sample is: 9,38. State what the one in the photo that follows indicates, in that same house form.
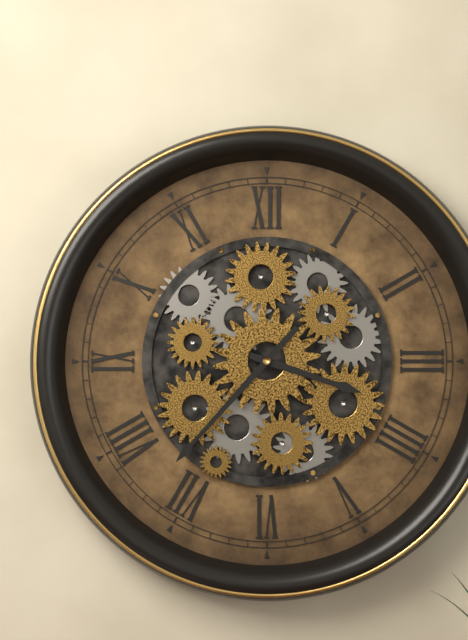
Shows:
3,37
